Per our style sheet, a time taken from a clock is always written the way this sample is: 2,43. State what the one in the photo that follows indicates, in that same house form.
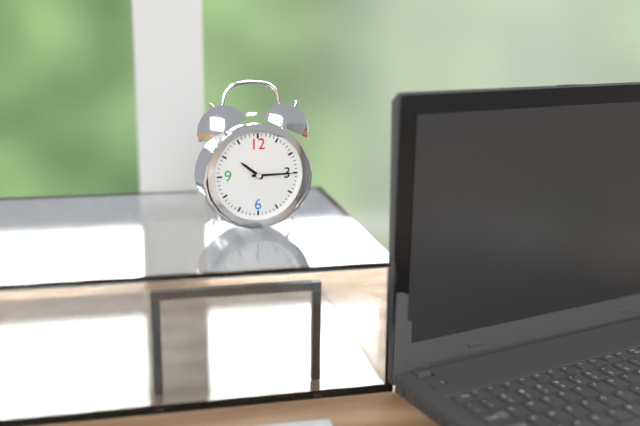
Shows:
10,15
